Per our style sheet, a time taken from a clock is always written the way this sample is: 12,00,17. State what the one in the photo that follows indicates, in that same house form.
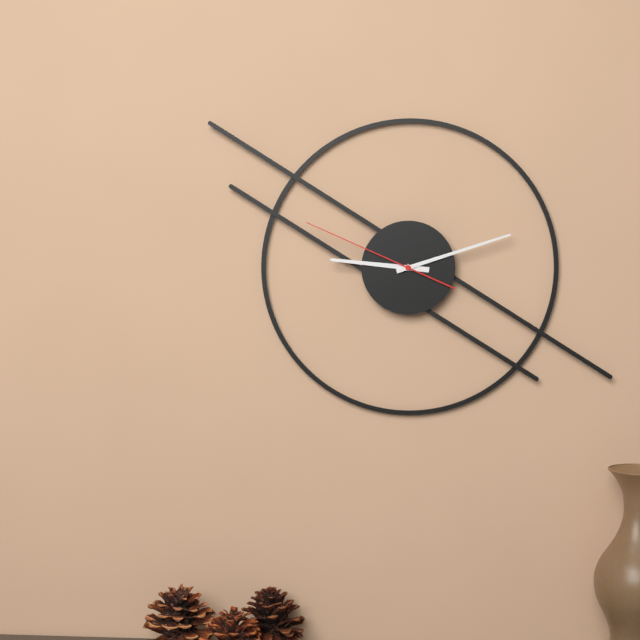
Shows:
9,12,49
